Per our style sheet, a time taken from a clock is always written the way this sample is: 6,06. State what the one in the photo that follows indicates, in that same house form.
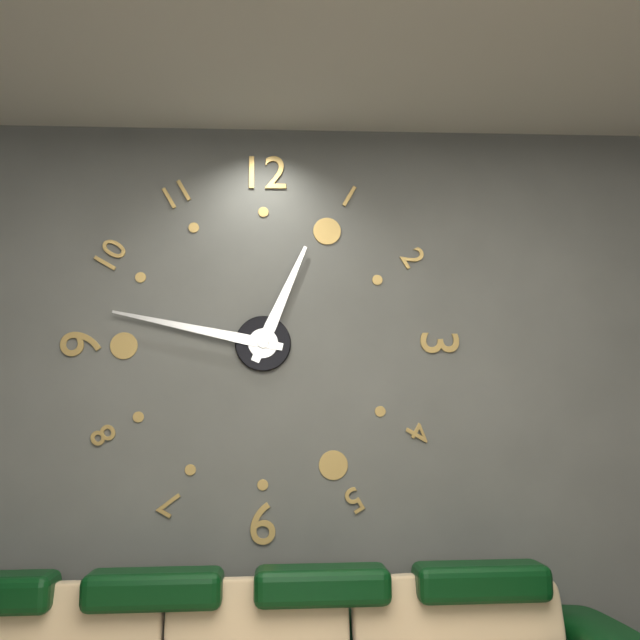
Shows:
12,47
